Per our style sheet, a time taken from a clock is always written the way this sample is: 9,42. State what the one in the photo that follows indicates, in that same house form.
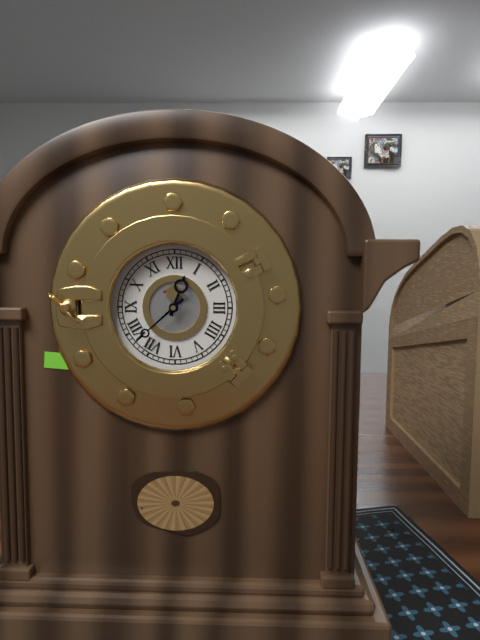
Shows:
12,38
